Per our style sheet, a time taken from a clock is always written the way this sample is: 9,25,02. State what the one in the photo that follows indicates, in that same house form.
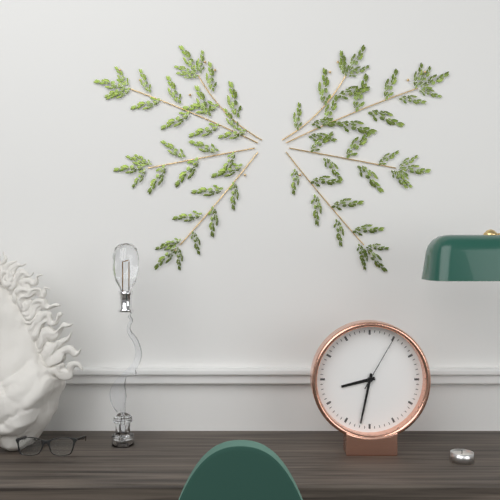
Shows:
8,32,05
